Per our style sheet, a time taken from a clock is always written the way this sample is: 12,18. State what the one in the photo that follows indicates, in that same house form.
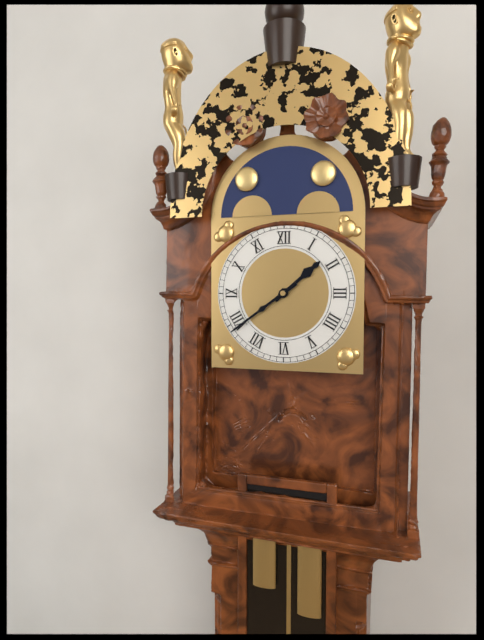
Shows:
1,39
